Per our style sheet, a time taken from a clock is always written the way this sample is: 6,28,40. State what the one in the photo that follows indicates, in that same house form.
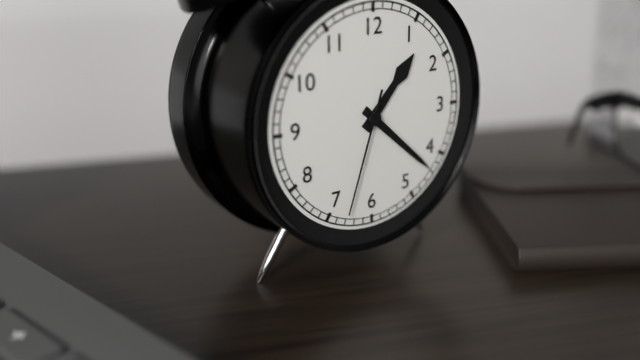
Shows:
1,22,33
